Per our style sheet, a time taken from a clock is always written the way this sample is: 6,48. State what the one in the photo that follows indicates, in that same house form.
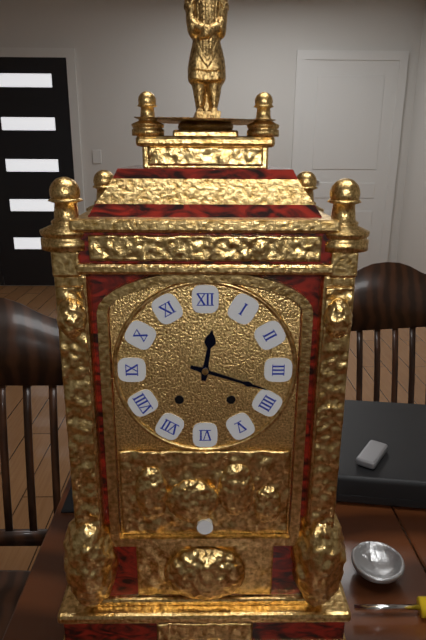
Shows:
12,18
